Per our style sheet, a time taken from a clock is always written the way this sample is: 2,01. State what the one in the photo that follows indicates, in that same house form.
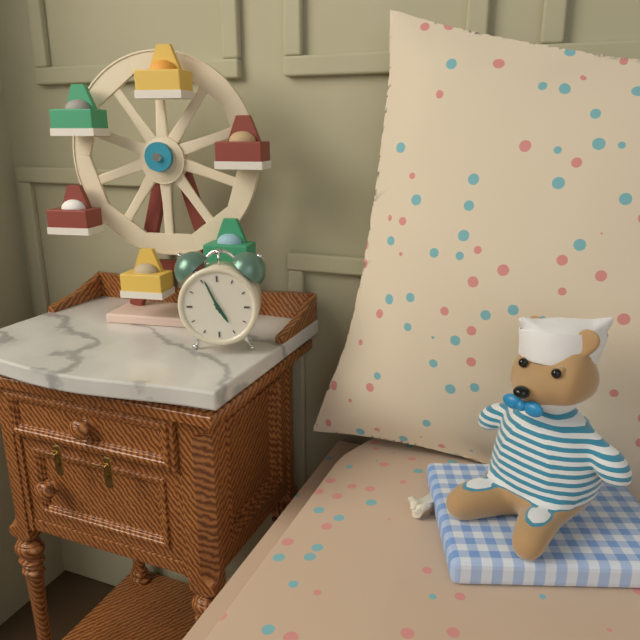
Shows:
4,56
